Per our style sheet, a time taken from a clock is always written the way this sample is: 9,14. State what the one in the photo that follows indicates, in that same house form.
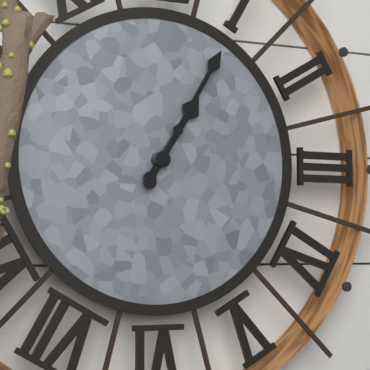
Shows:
1,05
